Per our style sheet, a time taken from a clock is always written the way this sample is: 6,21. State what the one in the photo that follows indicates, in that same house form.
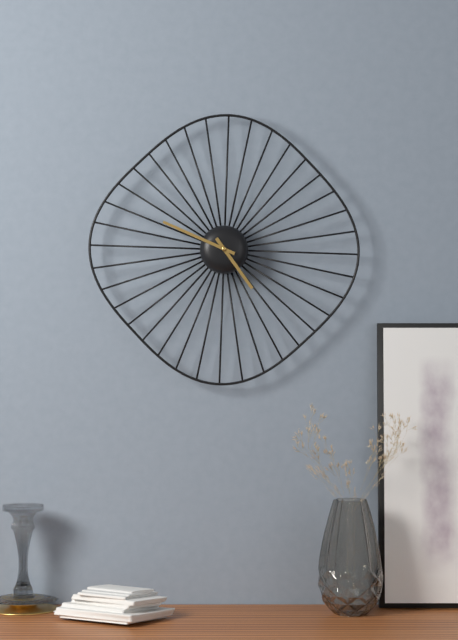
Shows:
4,49
